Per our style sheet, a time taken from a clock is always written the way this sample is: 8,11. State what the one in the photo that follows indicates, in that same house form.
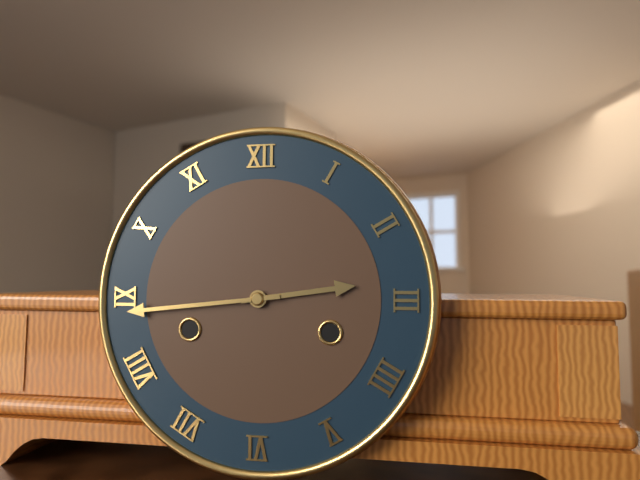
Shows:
2,44
